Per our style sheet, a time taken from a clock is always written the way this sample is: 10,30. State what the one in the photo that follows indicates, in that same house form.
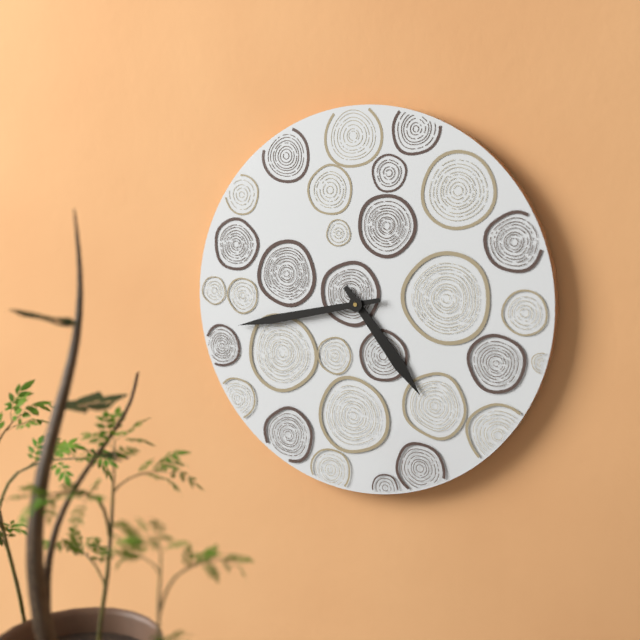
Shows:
4,43
